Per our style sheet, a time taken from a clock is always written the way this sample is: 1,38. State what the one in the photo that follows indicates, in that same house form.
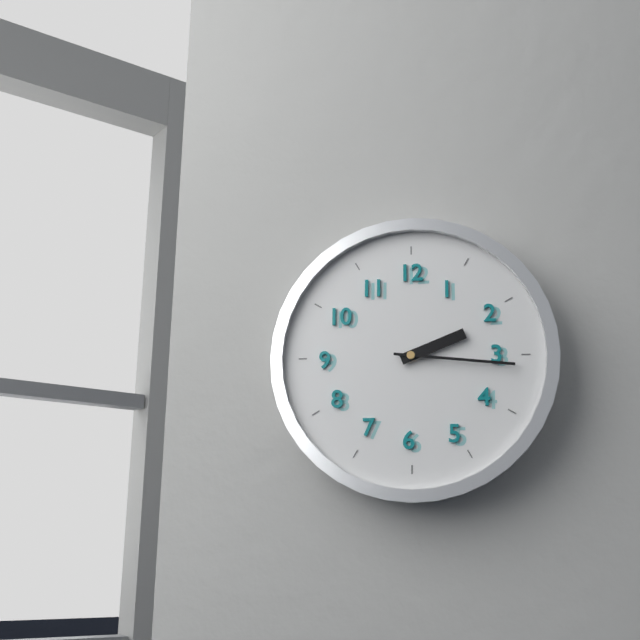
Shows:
2,16
